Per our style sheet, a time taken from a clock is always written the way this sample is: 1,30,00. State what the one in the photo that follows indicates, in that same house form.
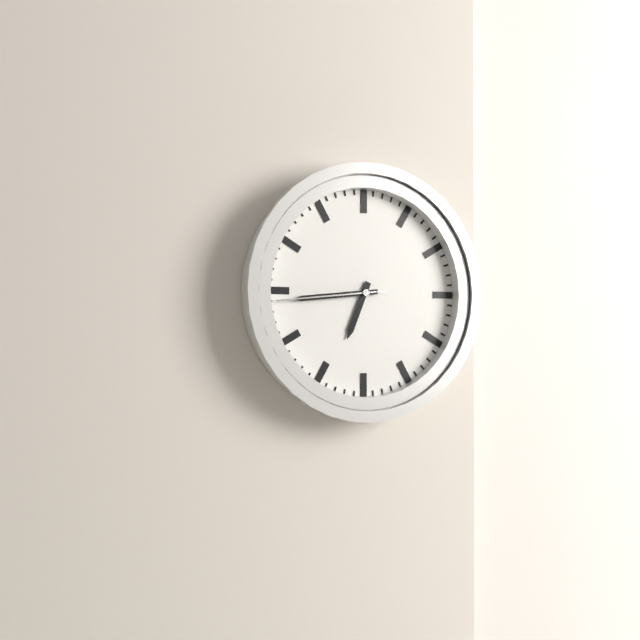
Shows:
6,44,44
